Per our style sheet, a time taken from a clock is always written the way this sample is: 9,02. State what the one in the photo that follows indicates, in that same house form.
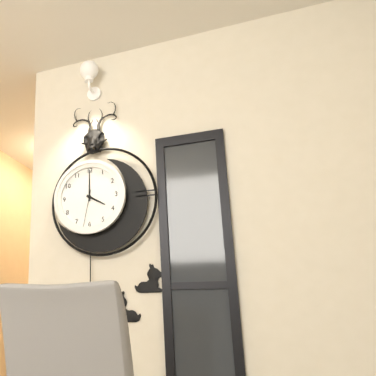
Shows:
4,00
